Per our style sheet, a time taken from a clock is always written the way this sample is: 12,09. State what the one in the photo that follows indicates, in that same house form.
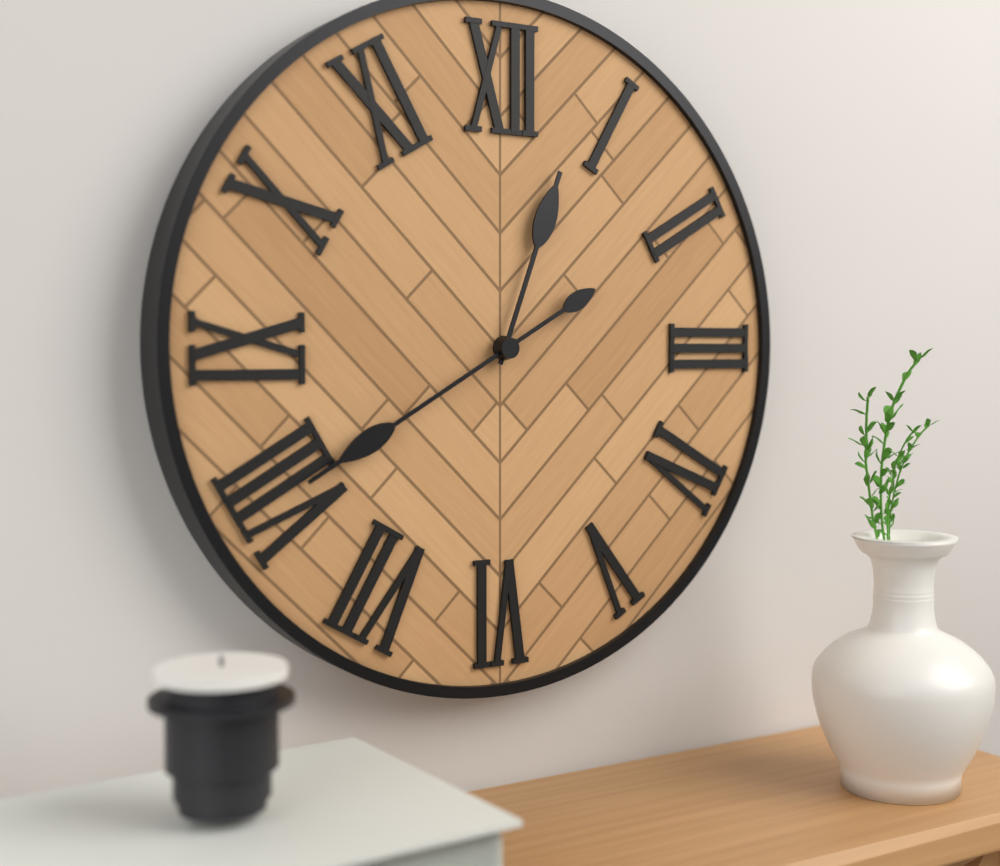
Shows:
12,40
